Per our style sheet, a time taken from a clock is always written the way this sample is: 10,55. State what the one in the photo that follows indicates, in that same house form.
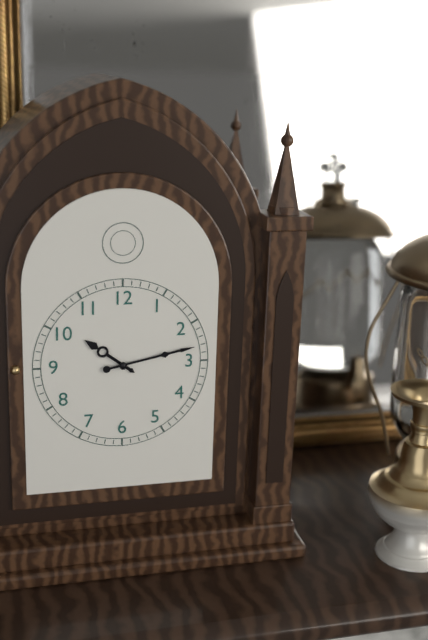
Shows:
10,13
